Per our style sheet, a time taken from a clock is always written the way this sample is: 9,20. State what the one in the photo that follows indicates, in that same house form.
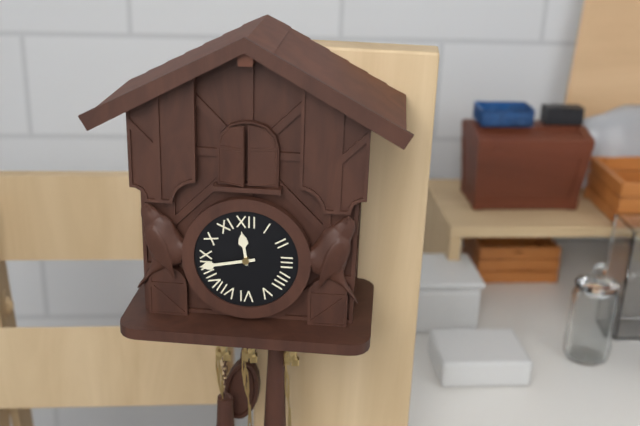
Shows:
11,43
